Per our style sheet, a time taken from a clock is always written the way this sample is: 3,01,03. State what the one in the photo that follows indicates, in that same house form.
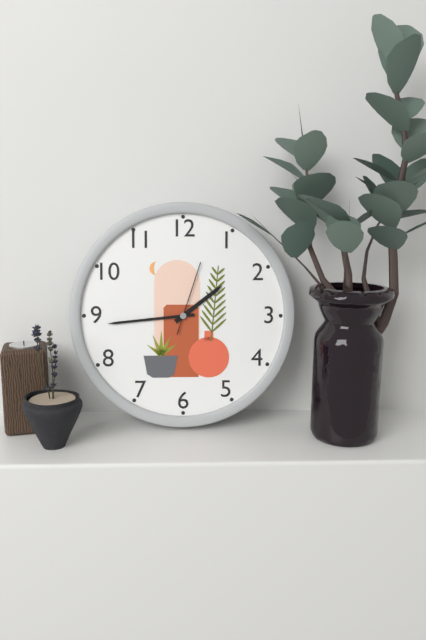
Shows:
1,44,03
